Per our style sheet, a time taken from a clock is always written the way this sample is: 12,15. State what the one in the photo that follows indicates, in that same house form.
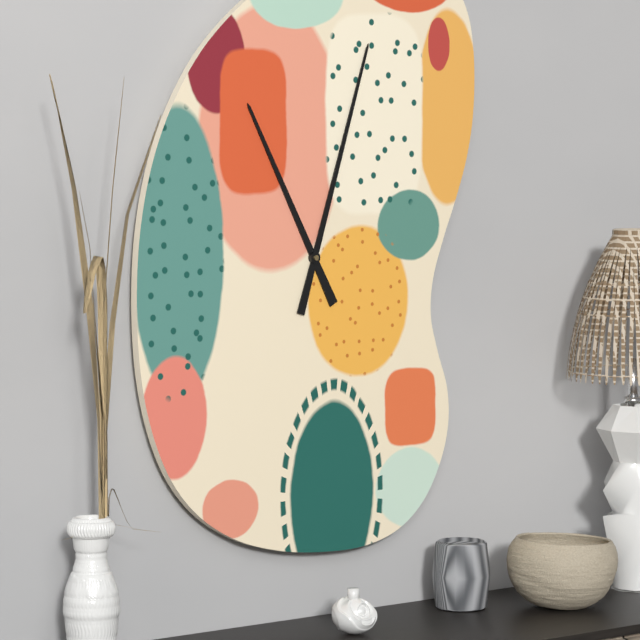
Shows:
11,03
